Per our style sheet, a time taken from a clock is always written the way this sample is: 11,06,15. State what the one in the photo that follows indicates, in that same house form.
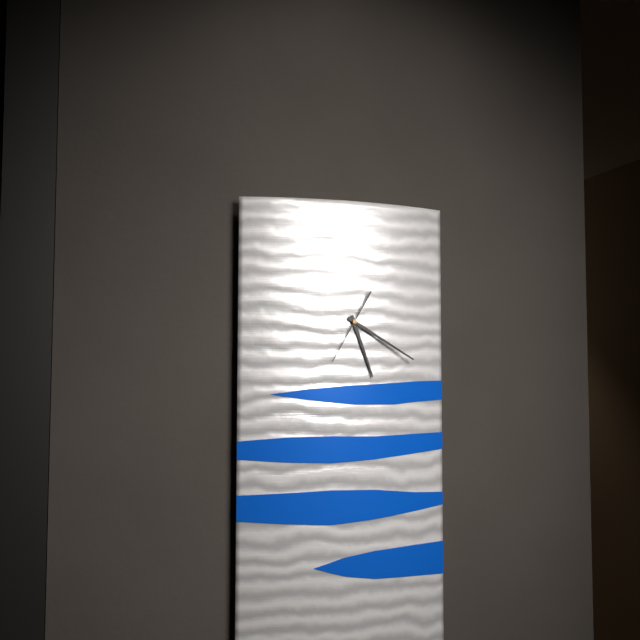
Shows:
5,20,35
